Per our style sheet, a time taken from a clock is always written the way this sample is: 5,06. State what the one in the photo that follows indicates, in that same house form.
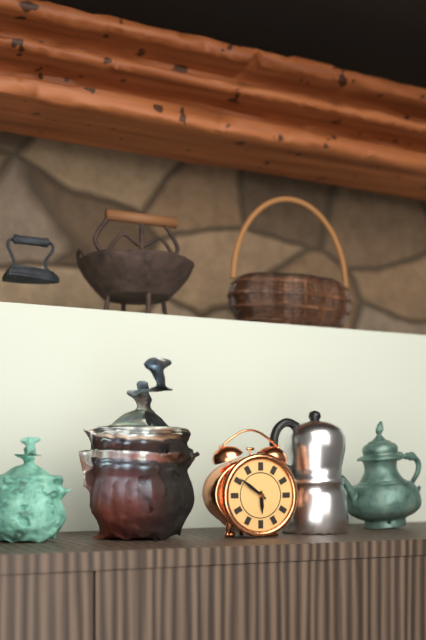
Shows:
5,51
